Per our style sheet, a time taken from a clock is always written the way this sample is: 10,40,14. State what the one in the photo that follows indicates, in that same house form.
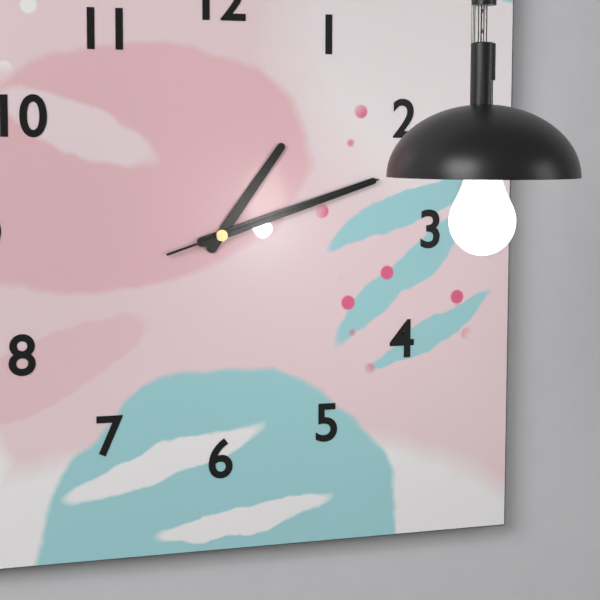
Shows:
1,12,12
